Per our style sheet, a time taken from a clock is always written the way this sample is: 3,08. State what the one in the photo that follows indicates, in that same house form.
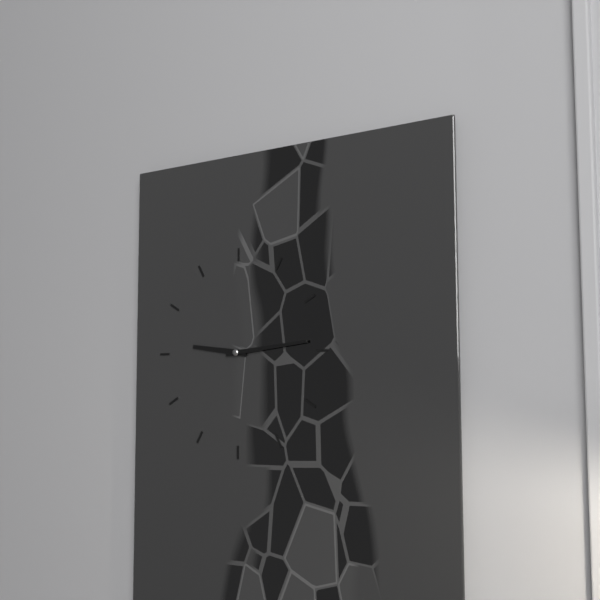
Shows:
9,14
